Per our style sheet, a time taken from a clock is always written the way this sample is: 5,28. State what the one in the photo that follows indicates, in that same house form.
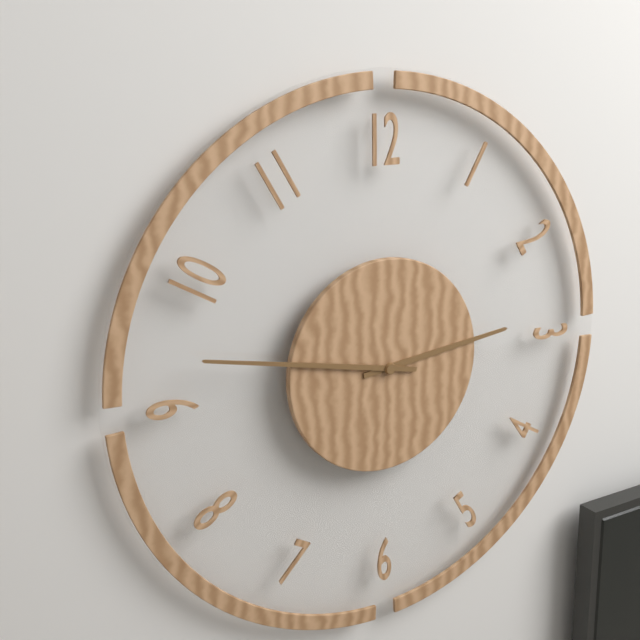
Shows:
2,47
